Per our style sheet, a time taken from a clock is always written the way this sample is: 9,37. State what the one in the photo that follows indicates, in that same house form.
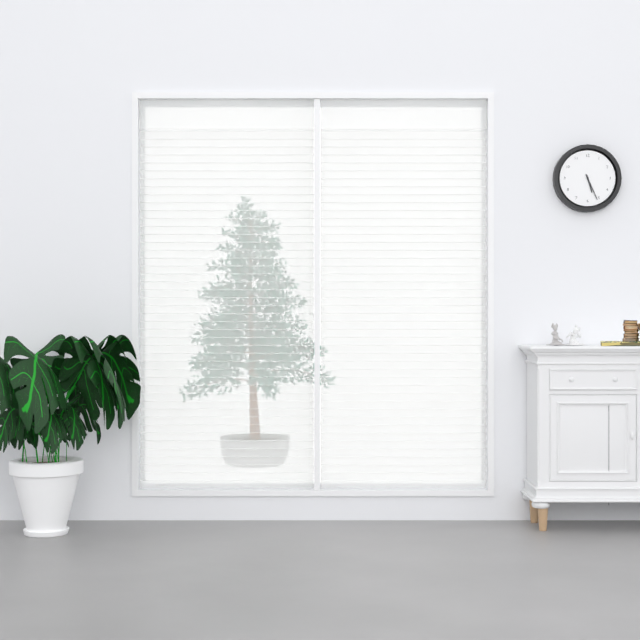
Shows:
5,26
